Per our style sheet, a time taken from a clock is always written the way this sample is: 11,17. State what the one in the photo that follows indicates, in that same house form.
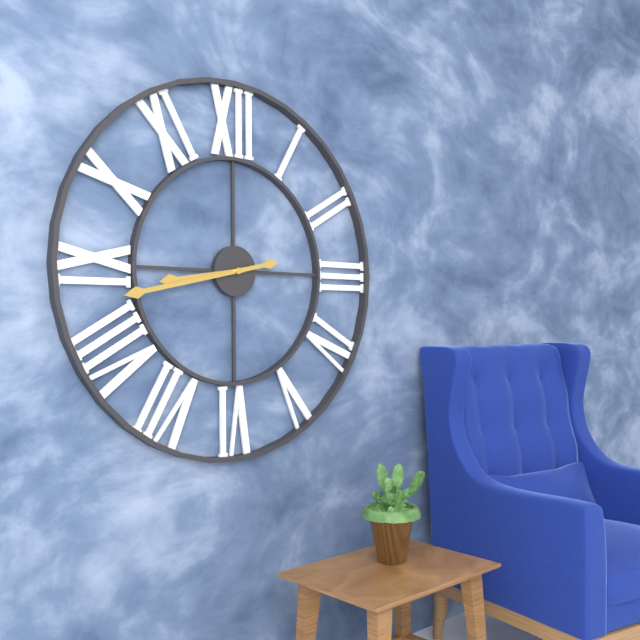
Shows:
8,43
